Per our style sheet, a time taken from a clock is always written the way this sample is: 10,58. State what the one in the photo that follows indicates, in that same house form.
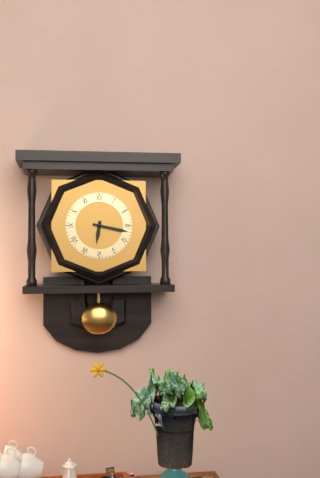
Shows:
6,17
